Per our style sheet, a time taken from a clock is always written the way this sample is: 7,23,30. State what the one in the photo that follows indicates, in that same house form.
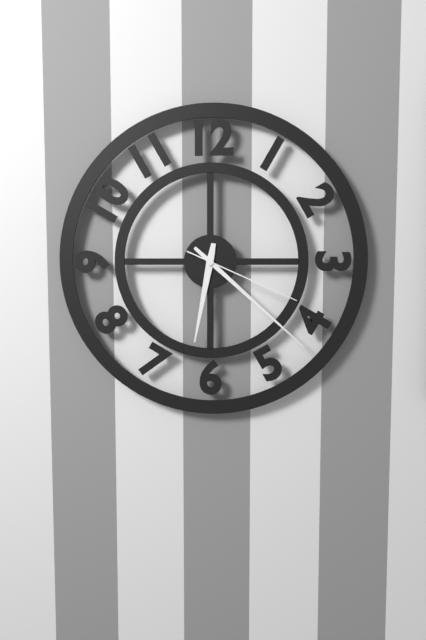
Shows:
6,22,19
